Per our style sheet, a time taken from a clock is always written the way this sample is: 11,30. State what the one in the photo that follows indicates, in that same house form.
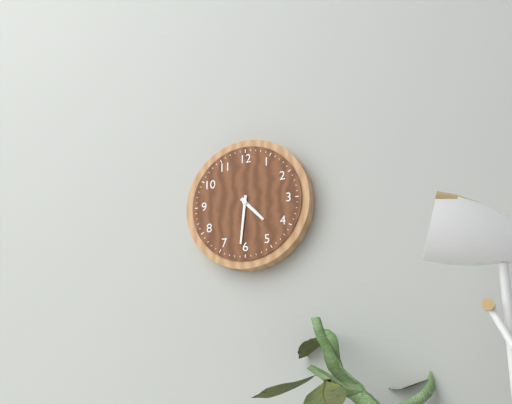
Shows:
4,31
